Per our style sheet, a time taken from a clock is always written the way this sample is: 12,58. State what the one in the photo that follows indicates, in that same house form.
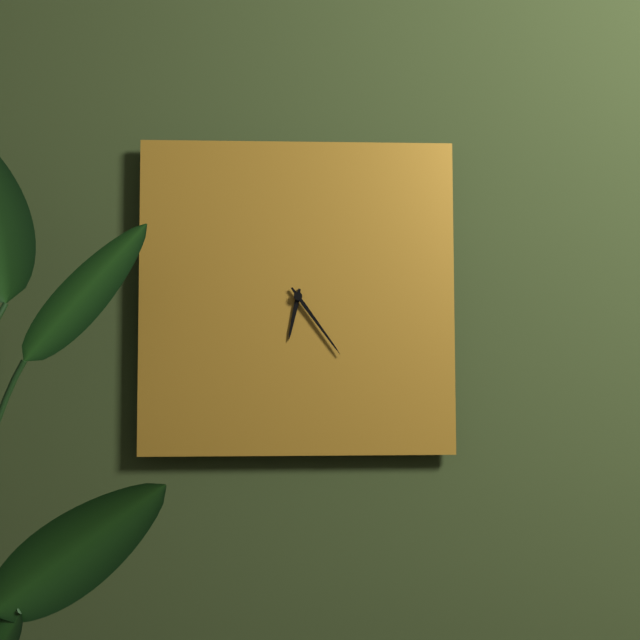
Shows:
6,24
